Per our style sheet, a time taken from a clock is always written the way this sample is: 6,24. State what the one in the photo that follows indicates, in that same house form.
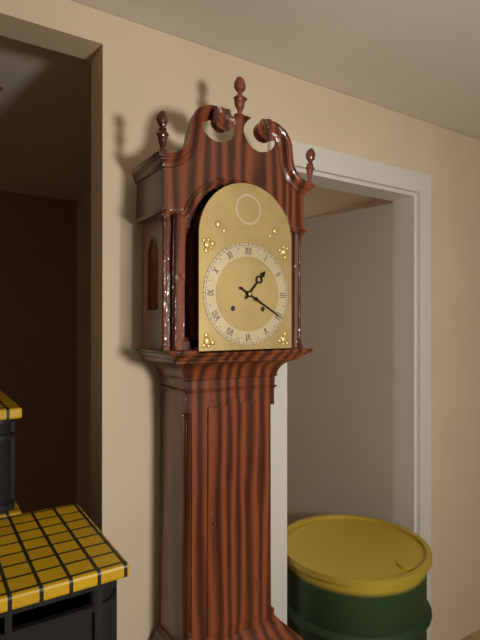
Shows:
1,20
